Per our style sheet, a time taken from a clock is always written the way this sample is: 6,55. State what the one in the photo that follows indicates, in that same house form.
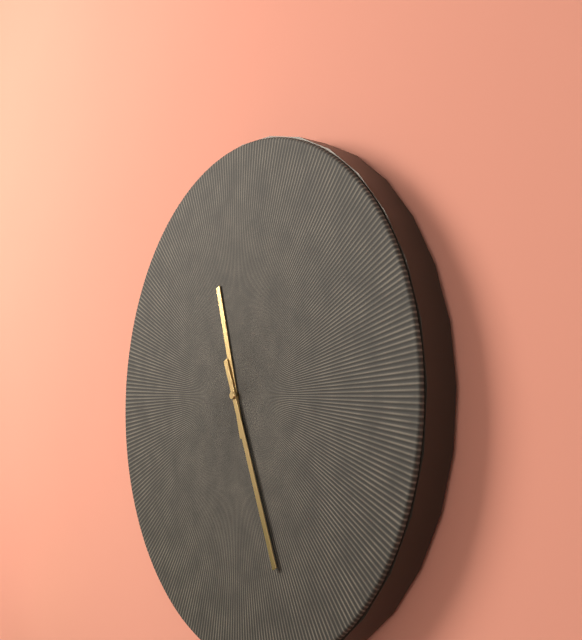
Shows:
11,26
